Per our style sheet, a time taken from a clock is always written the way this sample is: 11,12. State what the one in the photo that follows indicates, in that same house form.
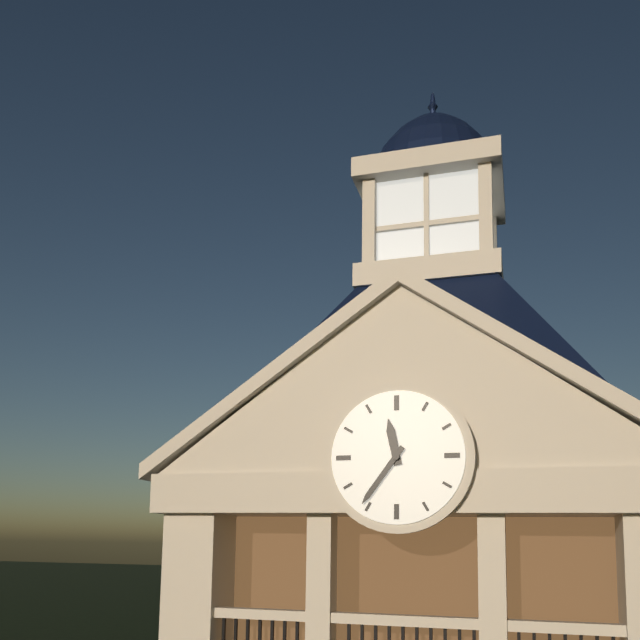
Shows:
11,36
